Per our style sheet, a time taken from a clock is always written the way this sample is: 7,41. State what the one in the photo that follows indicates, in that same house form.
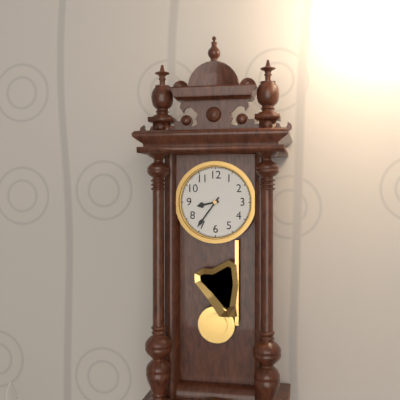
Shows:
8,36
